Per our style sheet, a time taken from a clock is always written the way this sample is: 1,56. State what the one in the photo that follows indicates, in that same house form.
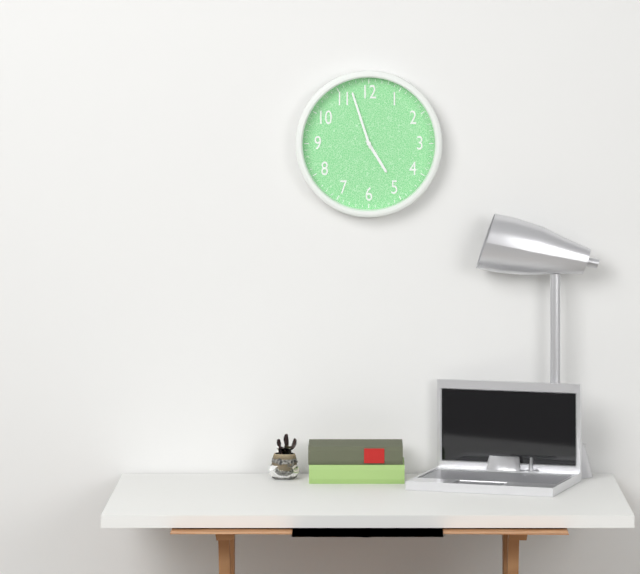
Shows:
4,57
